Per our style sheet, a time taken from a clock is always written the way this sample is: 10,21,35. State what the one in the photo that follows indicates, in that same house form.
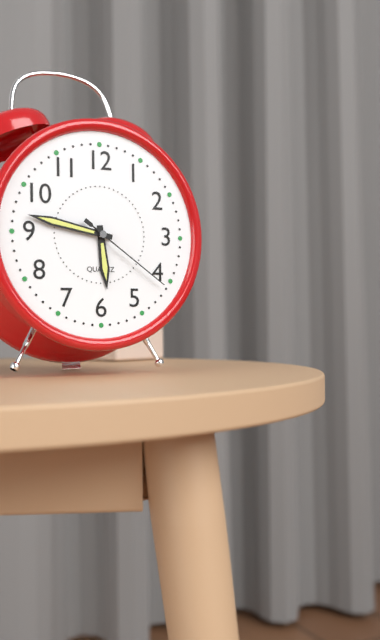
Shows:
5,47,21
